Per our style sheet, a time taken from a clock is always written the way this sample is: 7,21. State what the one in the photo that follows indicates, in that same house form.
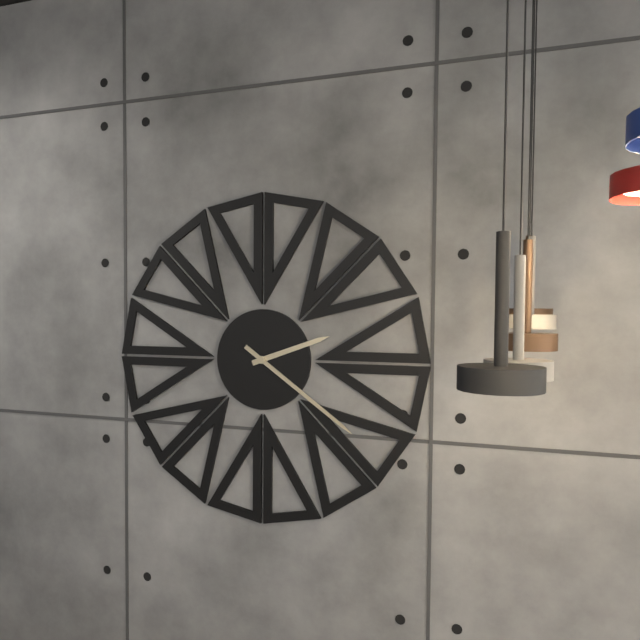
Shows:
2,21
